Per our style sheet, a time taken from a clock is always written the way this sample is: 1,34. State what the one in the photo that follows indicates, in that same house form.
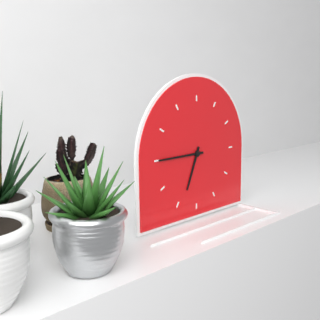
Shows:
6,45
